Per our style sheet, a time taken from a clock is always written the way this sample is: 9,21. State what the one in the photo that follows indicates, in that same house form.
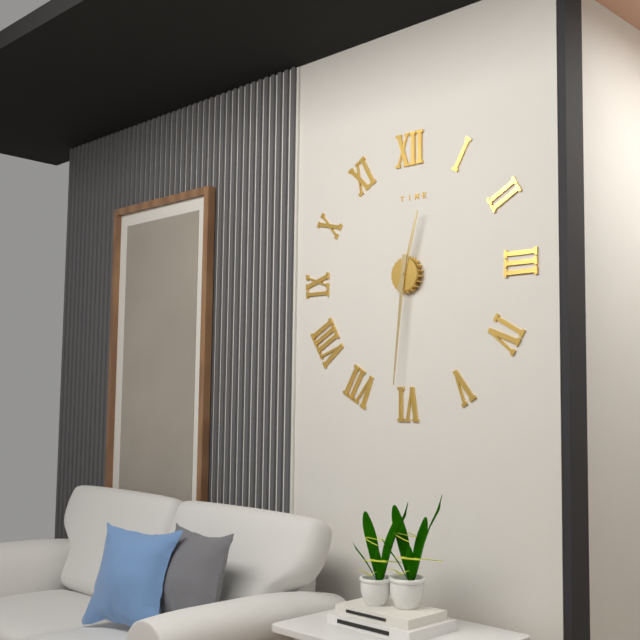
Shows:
12,31
